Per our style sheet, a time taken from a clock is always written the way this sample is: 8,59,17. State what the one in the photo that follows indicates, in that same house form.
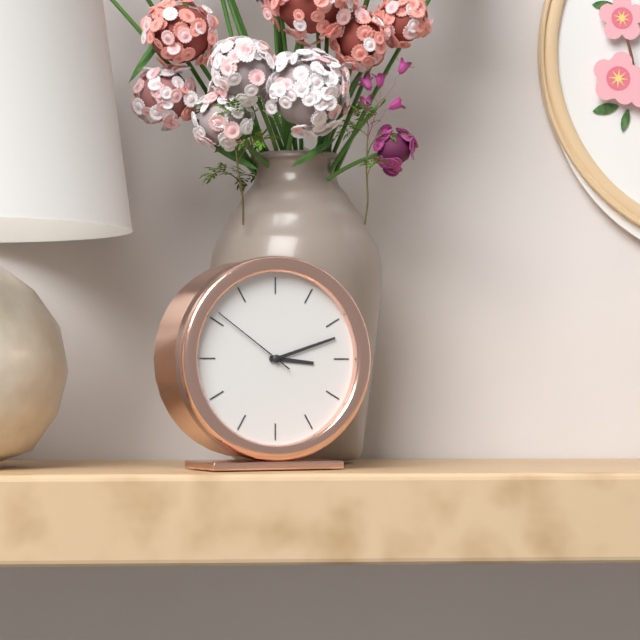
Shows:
3,12,51
